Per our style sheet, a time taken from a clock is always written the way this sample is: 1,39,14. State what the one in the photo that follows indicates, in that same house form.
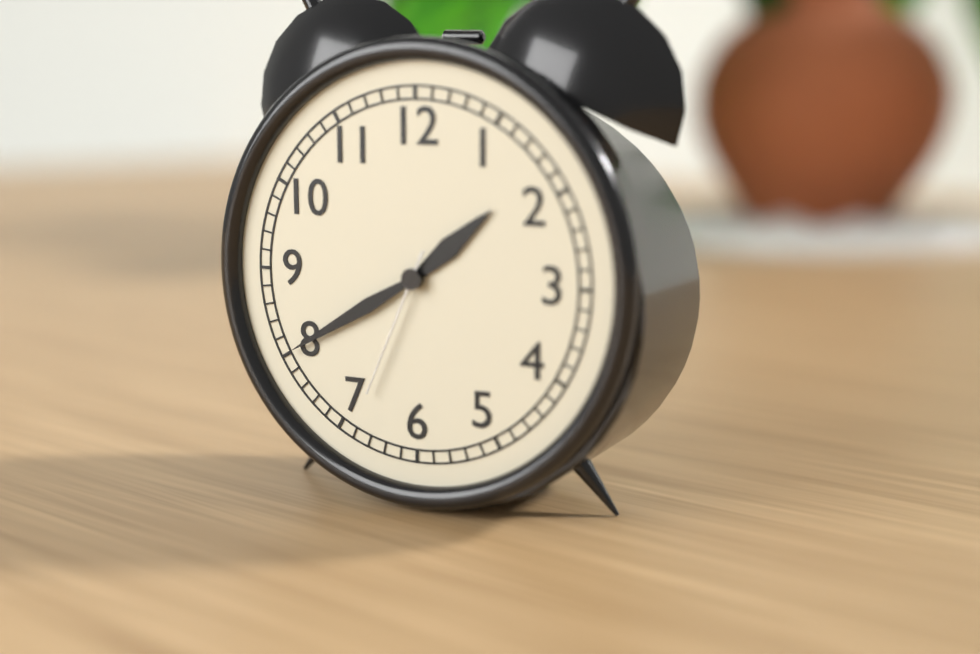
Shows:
1,40,34
